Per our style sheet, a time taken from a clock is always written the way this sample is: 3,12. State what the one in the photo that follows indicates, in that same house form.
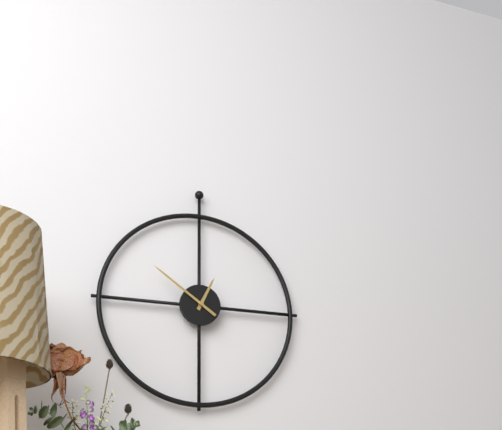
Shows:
12,51
